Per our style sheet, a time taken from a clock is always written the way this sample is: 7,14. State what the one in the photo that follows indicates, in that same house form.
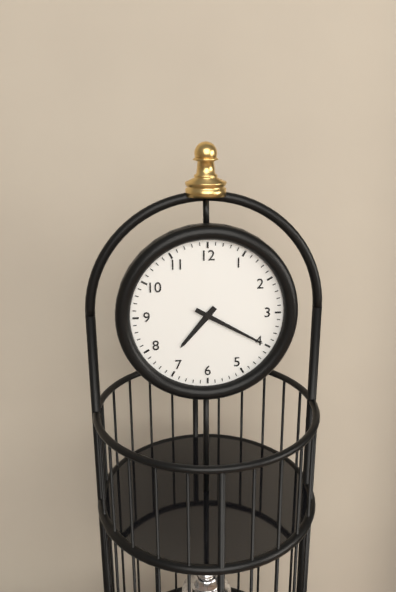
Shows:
7,20
